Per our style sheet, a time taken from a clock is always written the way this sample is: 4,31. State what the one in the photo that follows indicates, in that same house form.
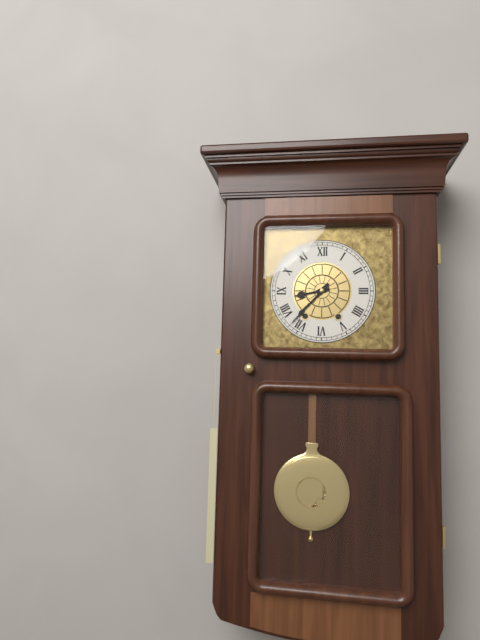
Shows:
8,37
